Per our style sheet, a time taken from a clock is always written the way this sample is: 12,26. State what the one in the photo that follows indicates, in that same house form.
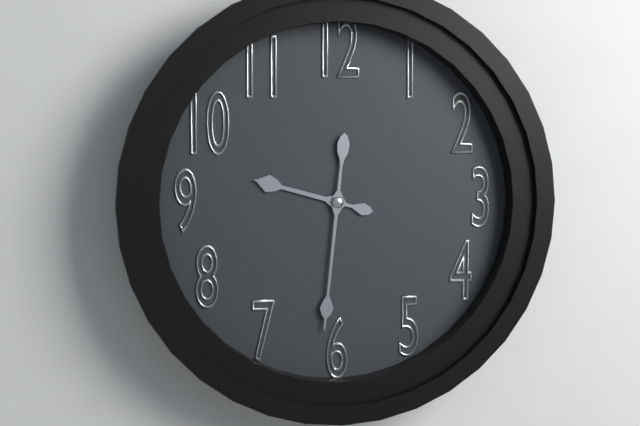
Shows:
9,31
